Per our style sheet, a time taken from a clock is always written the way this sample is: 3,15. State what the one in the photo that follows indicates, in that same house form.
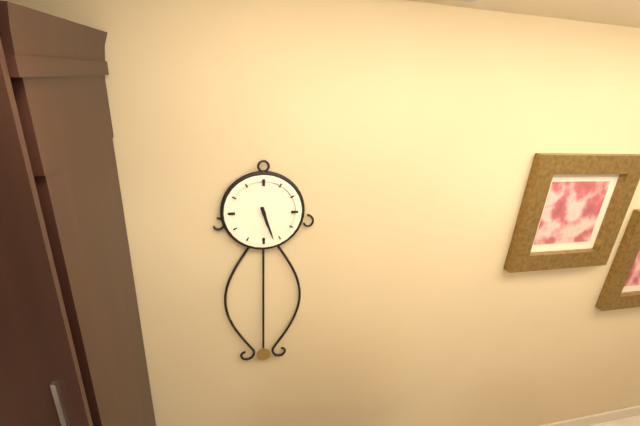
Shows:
5,27
